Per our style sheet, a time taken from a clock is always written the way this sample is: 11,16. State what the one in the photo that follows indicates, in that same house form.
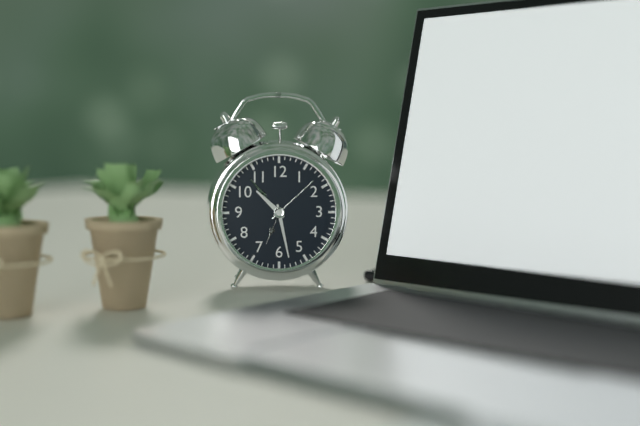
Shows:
10,28
